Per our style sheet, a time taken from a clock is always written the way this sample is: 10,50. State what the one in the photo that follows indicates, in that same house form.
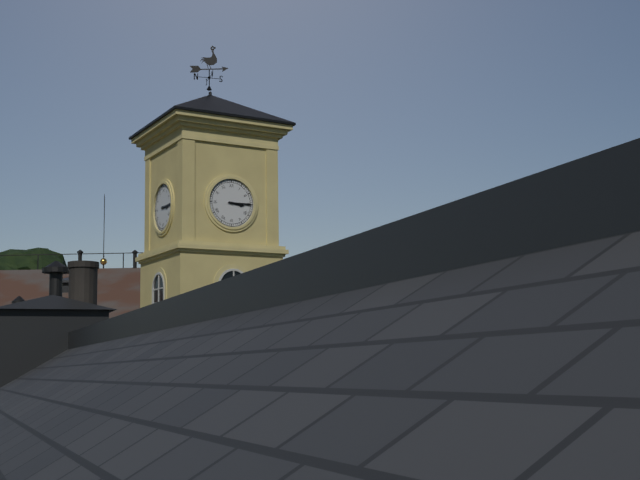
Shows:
3,15
